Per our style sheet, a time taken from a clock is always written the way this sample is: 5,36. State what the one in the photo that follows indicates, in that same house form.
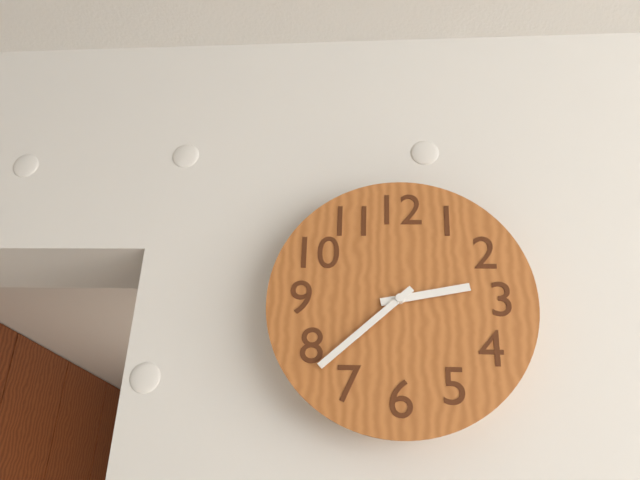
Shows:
2,38
